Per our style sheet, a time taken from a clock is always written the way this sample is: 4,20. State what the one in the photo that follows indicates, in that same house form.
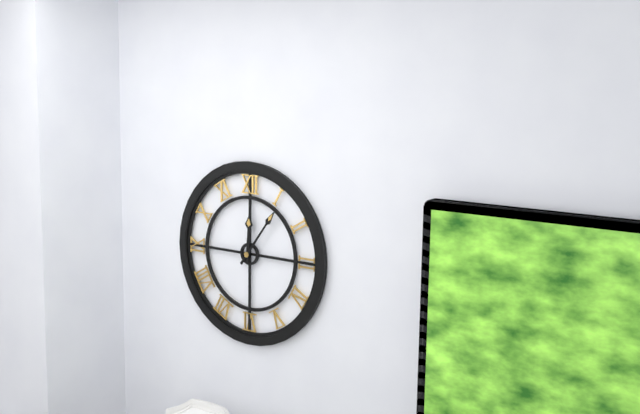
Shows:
12,06
